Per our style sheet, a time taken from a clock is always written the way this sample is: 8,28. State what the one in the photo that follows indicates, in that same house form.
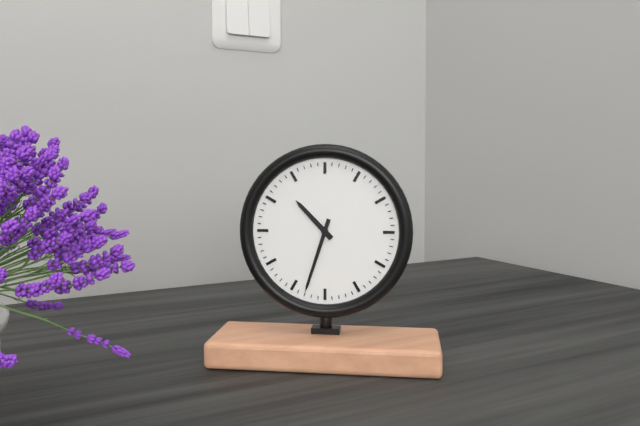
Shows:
10,33
